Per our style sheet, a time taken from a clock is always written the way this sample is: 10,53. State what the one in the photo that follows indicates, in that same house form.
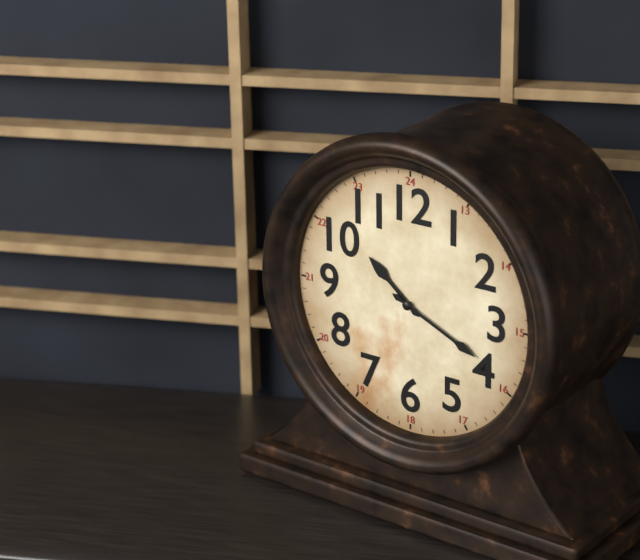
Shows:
10,19
